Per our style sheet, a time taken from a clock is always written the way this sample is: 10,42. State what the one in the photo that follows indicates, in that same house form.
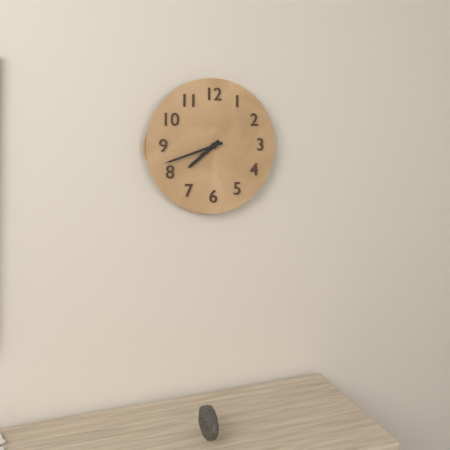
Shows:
7,42
